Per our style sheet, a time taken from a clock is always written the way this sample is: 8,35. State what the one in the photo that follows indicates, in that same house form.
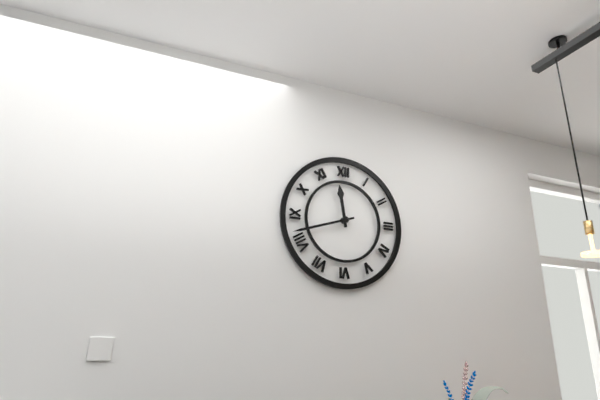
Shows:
11,42
